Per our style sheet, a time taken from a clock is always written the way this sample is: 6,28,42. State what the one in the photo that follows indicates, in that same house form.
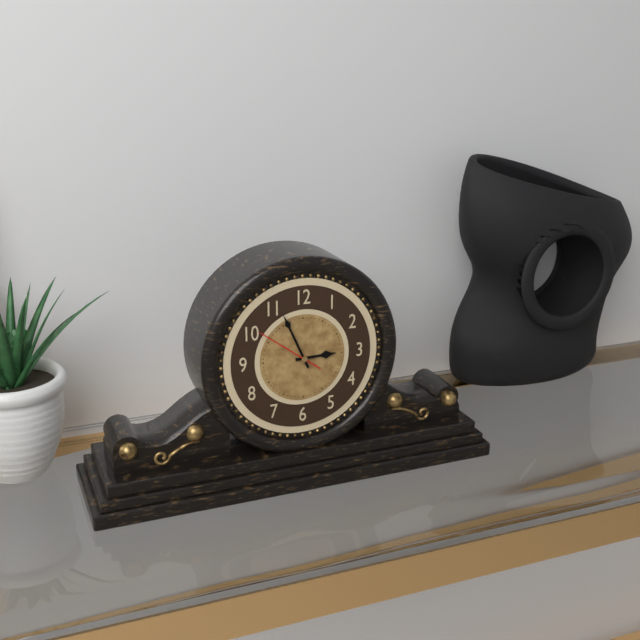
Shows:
2,56,51
